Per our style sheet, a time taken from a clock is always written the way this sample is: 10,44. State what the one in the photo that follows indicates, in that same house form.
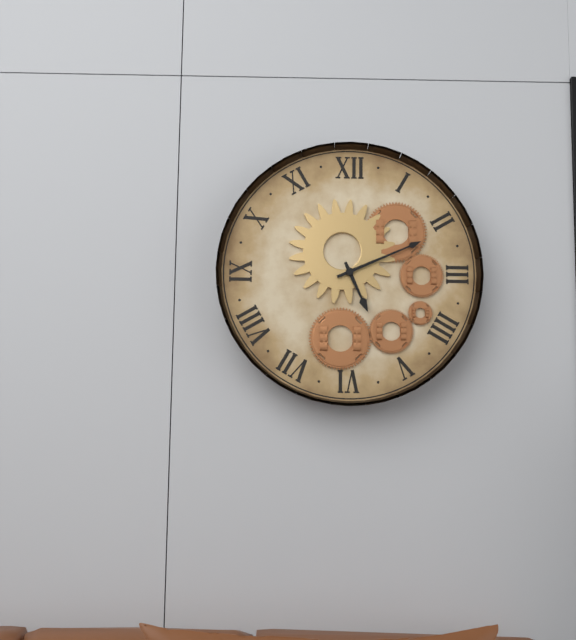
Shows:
5,11
